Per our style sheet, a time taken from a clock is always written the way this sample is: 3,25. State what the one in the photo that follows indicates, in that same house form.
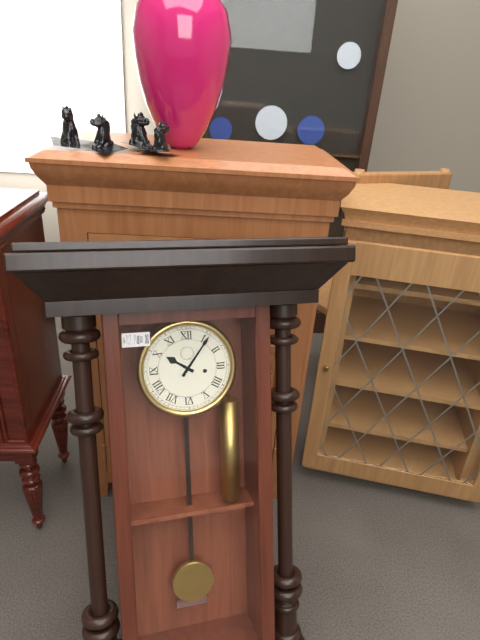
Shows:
10,06
